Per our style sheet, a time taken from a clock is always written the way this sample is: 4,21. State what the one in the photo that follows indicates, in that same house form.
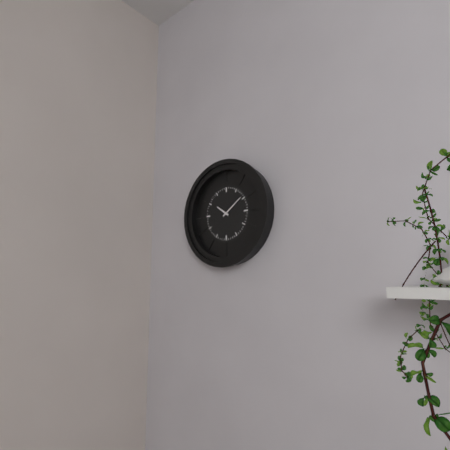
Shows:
10,09
